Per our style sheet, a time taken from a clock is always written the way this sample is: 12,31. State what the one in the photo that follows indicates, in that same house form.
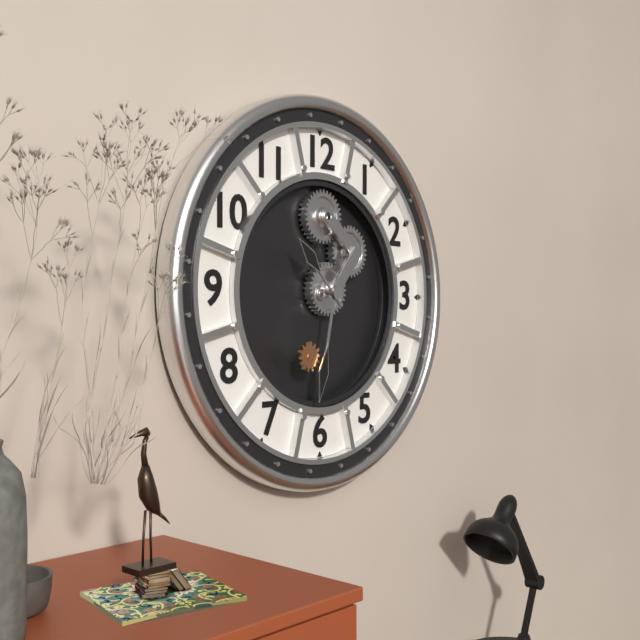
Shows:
10,32
